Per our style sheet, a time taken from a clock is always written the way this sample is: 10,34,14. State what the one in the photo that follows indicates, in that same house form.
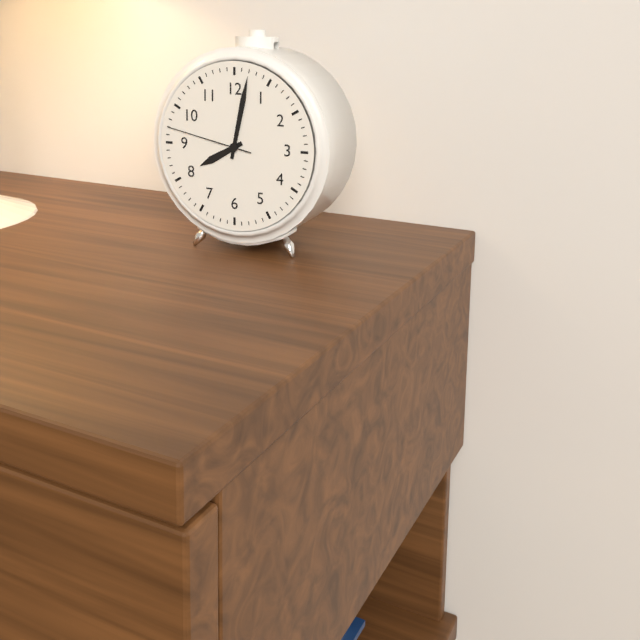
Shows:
8,02,47
